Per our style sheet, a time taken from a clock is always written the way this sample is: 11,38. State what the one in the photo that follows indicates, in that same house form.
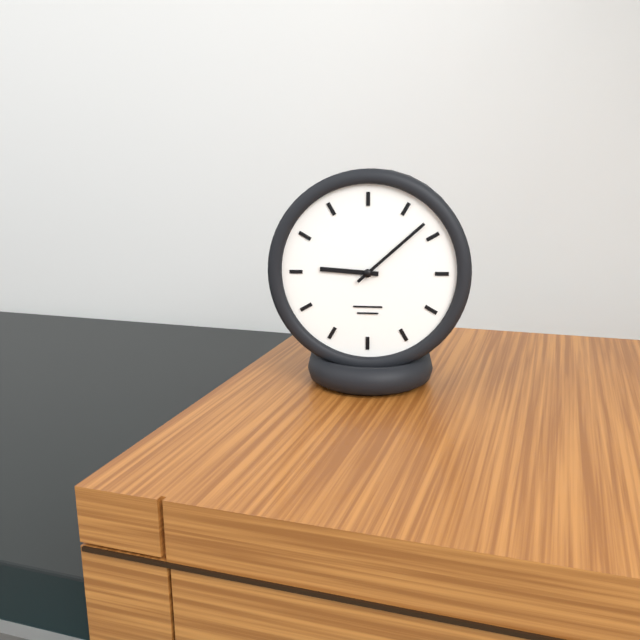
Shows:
9,08
